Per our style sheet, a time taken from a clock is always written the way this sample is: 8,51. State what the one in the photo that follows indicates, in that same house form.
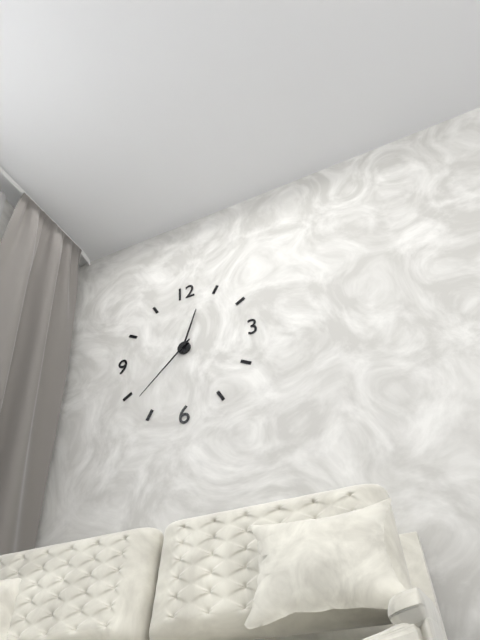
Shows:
12,38
